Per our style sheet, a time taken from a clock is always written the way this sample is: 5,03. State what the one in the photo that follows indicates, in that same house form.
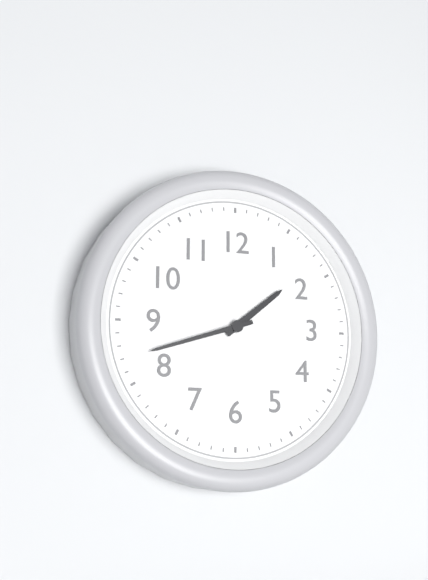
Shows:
1,42
